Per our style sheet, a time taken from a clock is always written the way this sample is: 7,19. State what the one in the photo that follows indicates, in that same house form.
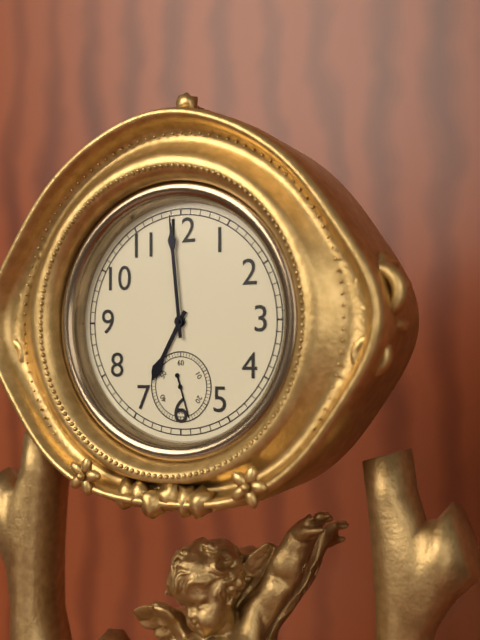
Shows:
6,59
